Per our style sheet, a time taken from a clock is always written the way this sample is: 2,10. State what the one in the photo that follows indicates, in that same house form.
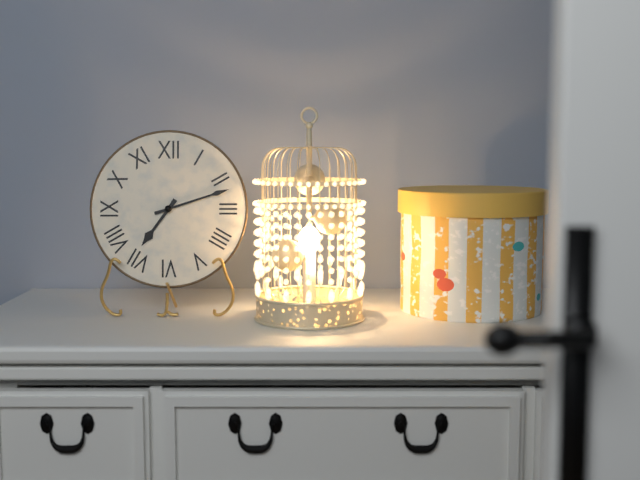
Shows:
7,12
